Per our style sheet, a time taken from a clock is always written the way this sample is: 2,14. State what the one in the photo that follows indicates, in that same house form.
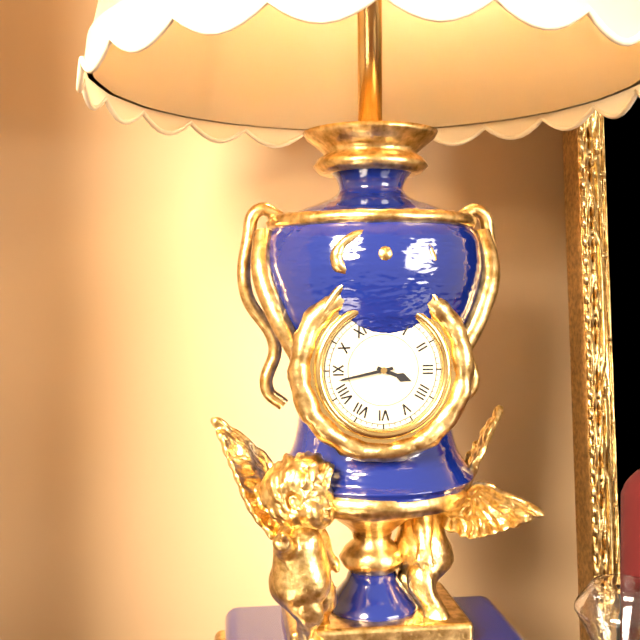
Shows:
3,43
